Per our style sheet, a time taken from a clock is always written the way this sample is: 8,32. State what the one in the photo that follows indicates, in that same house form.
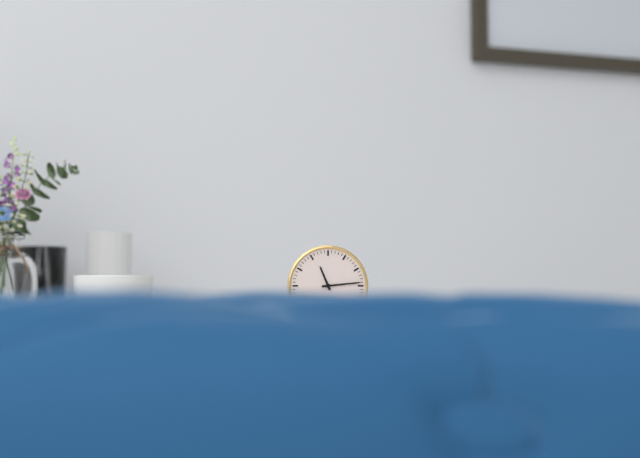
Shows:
11,14
